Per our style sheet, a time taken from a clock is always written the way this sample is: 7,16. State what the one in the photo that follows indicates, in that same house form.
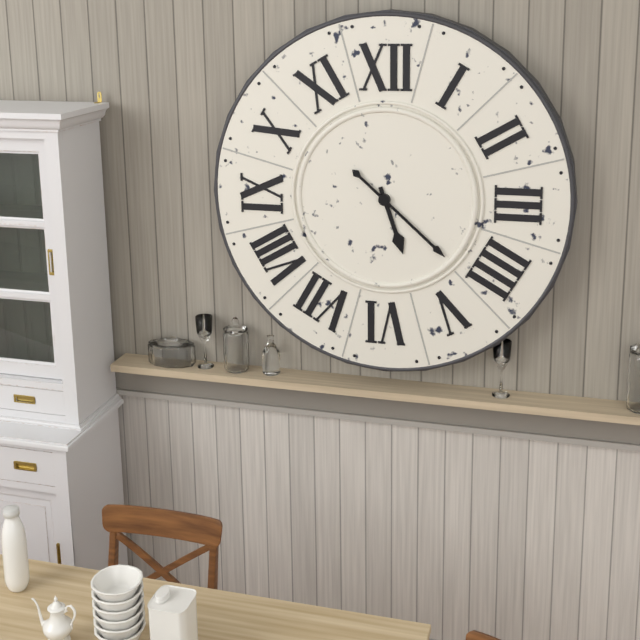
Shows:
5,22
